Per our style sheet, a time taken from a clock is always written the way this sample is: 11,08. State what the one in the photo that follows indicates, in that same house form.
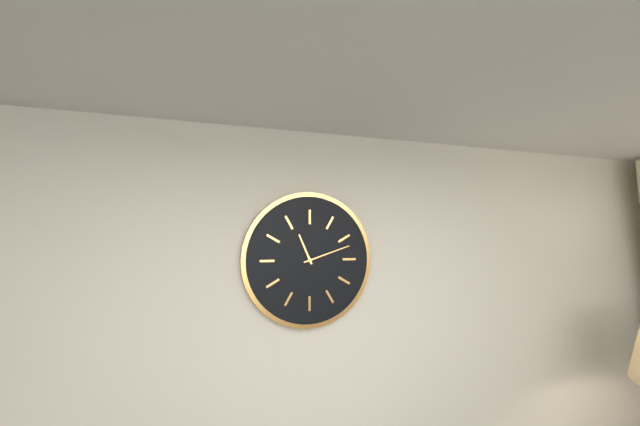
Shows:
11,12
